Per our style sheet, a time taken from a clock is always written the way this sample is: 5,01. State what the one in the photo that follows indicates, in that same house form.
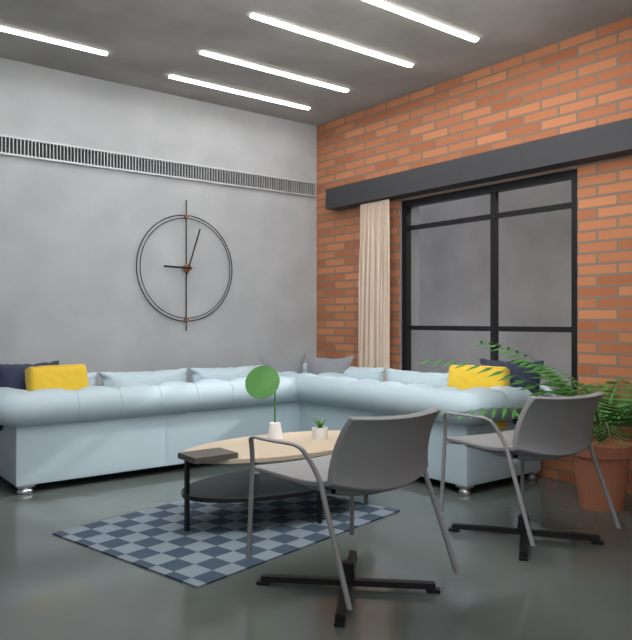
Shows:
9,03
